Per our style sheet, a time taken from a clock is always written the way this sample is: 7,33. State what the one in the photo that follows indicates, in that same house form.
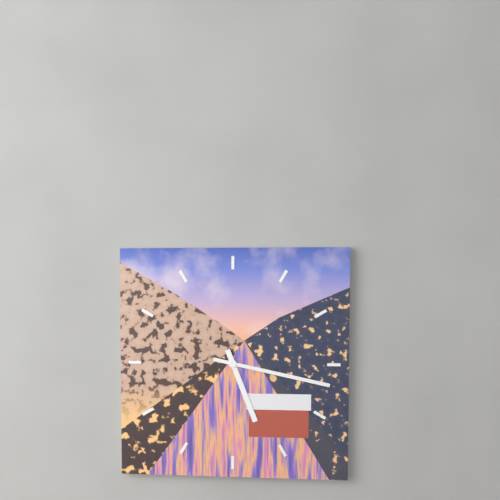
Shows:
5,17
